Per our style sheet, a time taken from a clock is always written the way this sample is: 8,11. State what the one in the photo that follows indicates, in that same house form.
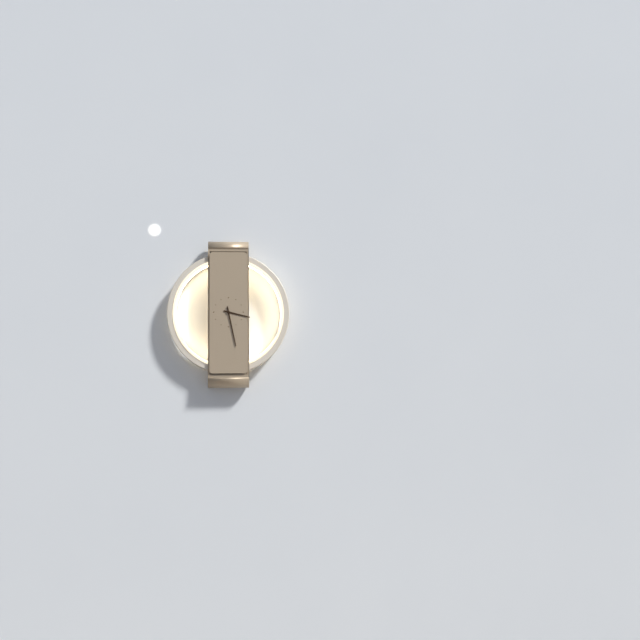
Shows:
3,28
